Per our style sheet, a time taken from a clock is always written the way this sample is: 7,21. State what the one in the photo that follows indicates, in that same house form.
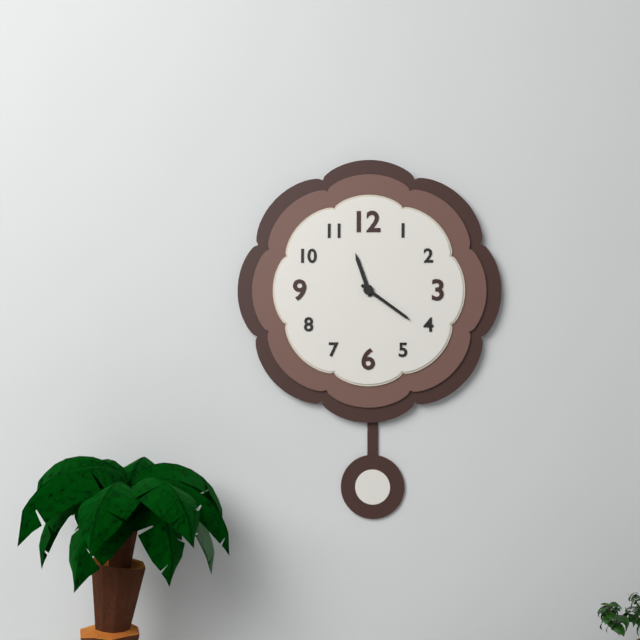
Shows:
11,21
